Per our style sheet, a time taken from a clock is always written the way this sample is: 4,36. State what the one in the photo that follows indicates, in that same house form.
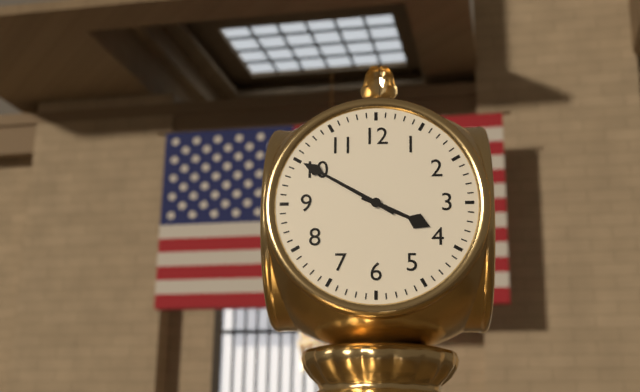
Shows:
3,50
